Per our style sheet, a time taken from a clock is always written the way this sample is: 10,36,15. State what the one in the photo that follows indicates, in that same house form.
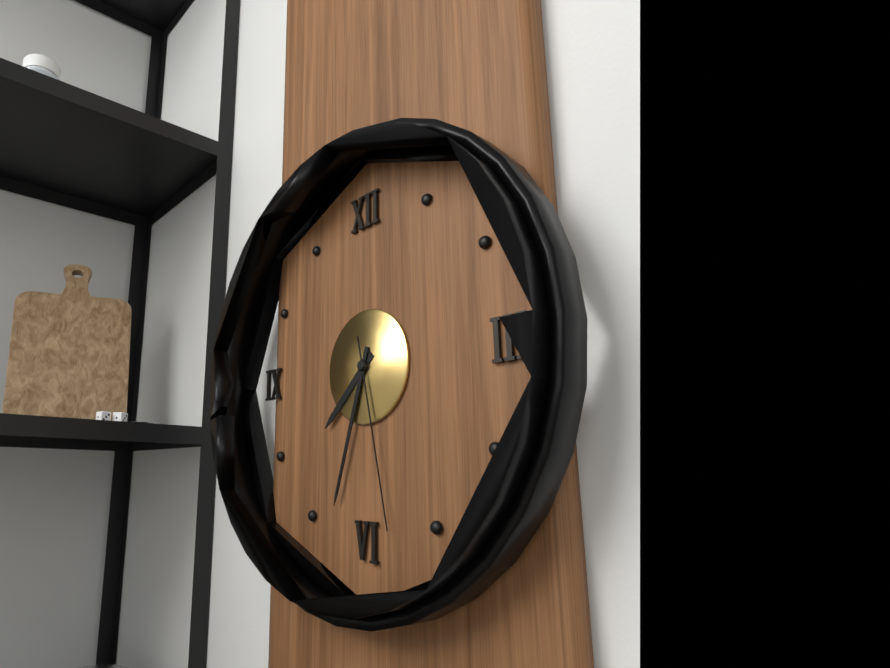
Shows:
7,33,28
